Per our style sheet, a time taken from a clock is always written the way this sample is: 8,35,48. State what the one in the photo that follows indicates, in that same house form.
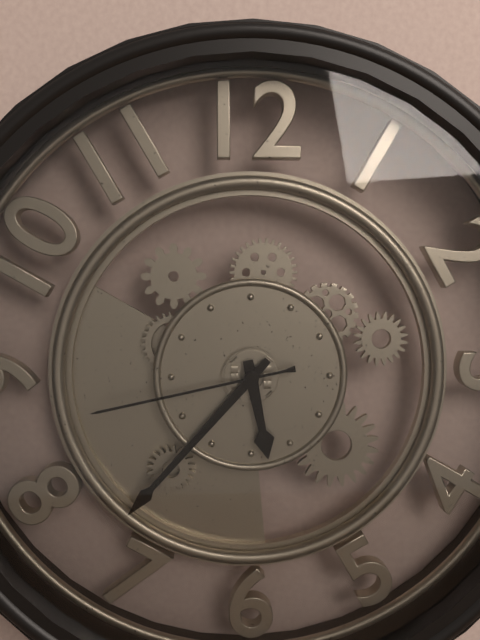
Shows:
5,37,43
